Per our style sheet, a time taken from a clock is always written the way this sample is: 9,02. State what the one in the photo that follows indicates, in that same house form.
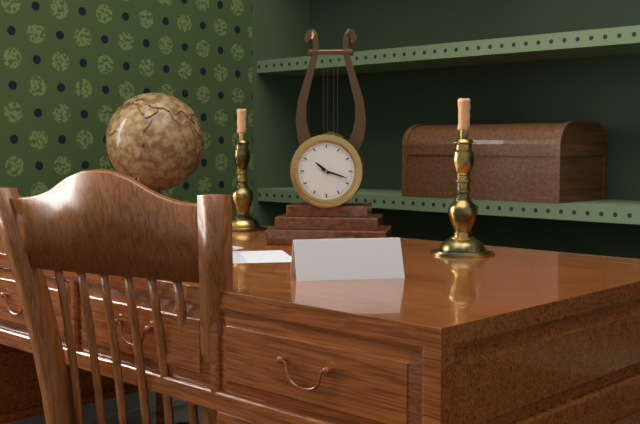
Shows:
10,18
